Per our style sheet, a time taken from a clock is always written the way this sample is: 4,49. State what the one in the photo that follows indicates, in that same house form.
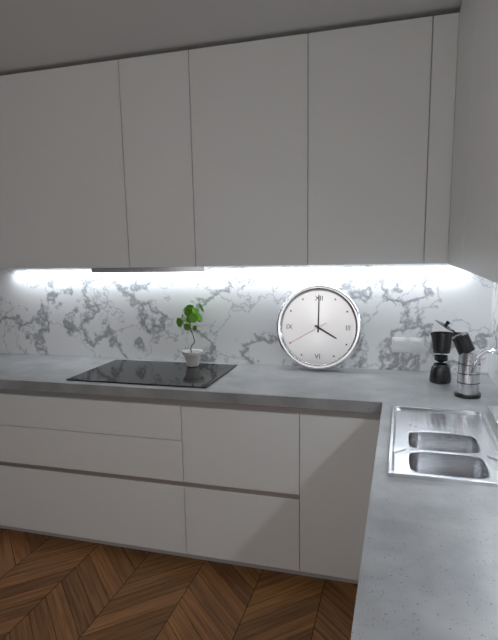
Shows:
4,00
